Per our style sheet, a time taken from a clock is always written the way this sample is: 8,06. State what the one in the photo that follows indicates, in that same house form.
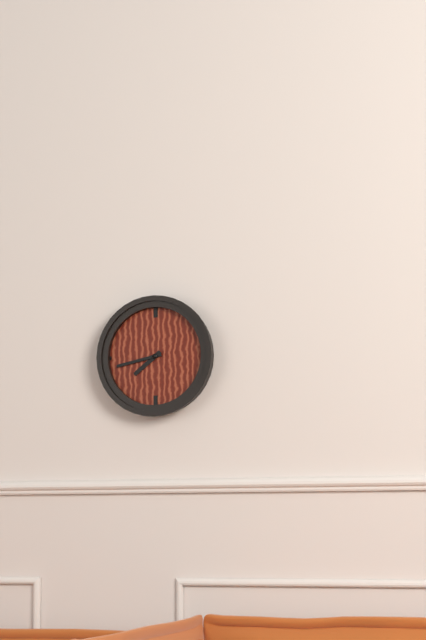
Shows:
7,43
